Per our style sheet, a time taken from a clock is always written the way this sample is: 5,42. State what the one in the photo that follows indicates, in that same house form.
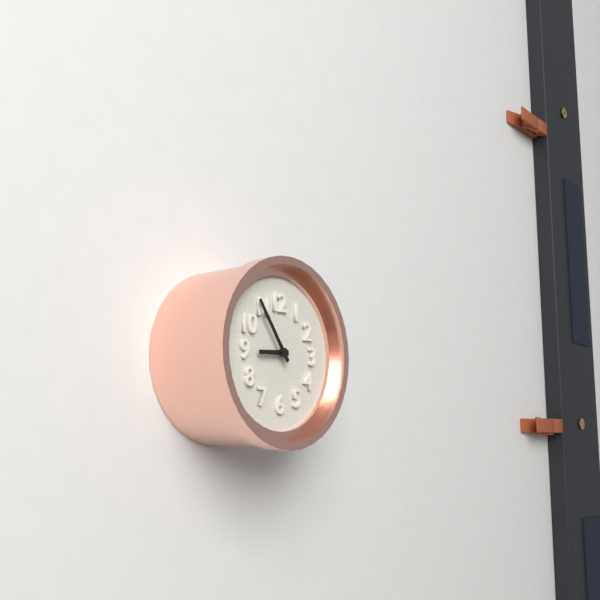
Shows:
8,54
